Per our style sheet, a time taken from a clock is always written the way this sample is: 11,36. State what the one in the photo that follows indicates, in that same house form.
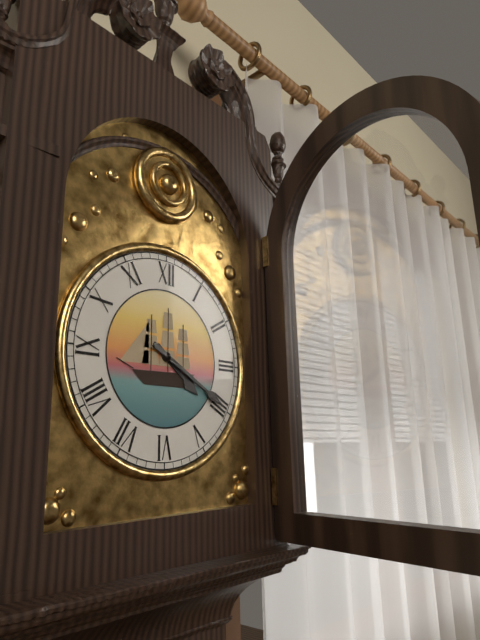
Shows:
4,20
